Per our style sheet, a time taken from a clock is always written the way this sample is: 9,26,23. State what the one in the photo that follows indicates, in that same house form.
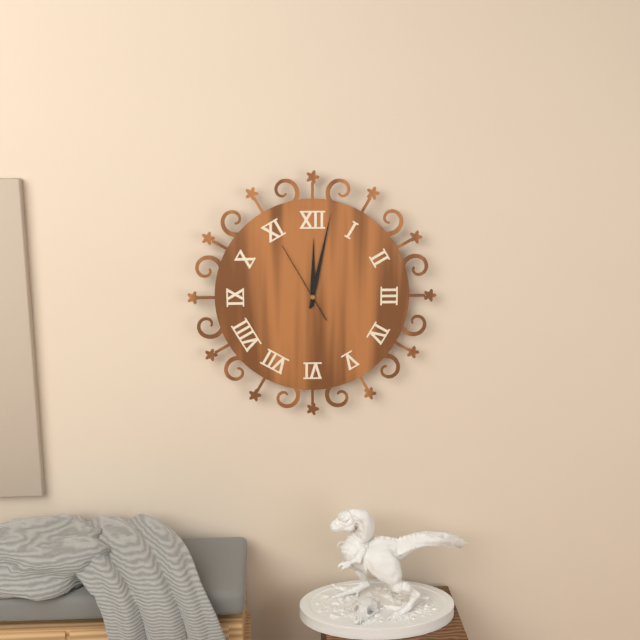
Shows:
12,02,55
